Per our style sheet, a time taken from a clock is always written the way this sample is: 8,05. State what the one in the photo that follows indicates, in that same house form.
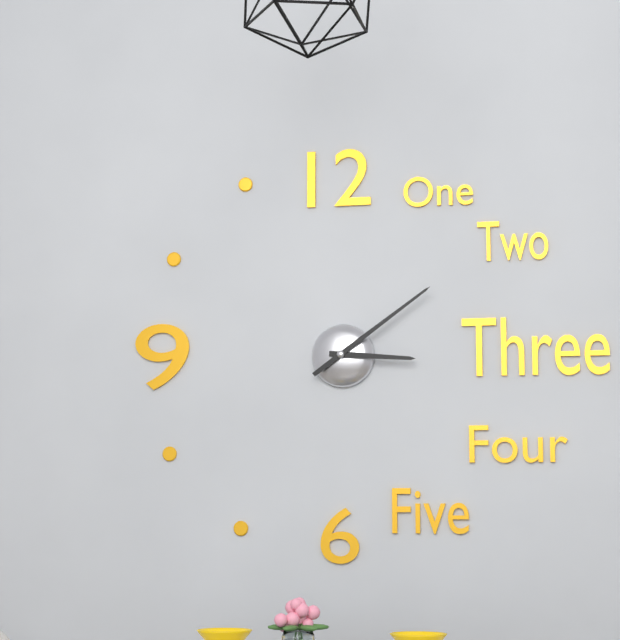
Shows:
3,09
